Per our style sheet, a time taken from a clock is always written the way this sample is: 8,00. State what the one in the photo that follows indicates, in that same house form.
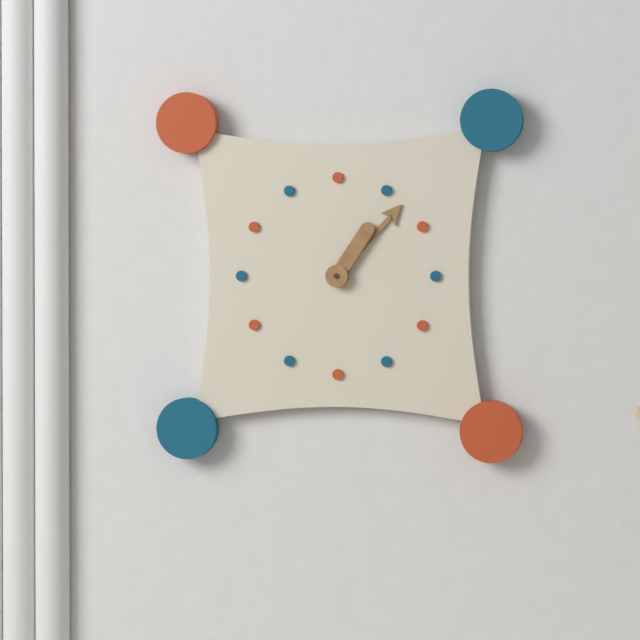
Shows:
1,07
